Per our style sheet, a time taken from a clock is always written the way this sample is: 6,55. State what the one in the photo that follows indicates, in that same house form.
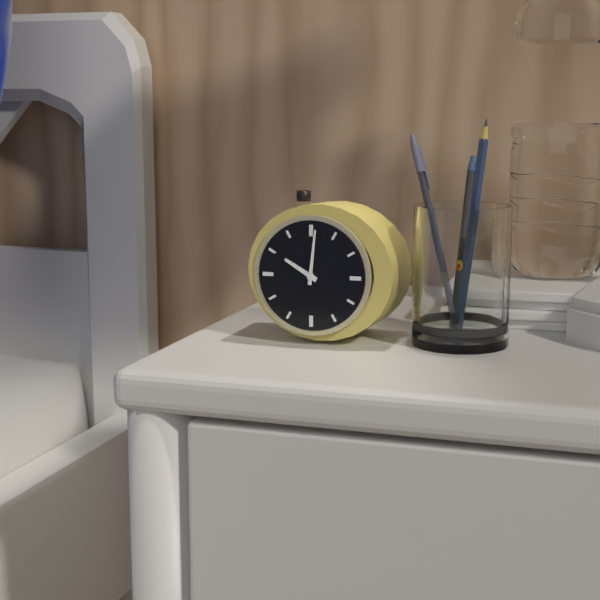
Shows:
10,01
